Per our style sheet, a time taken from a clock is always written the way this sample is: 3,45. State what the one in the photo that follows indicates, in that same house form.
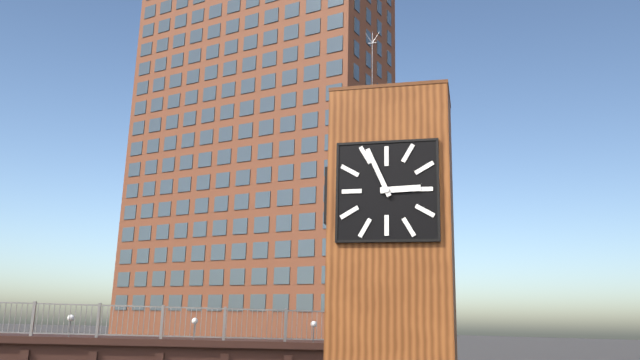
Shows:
2,56
